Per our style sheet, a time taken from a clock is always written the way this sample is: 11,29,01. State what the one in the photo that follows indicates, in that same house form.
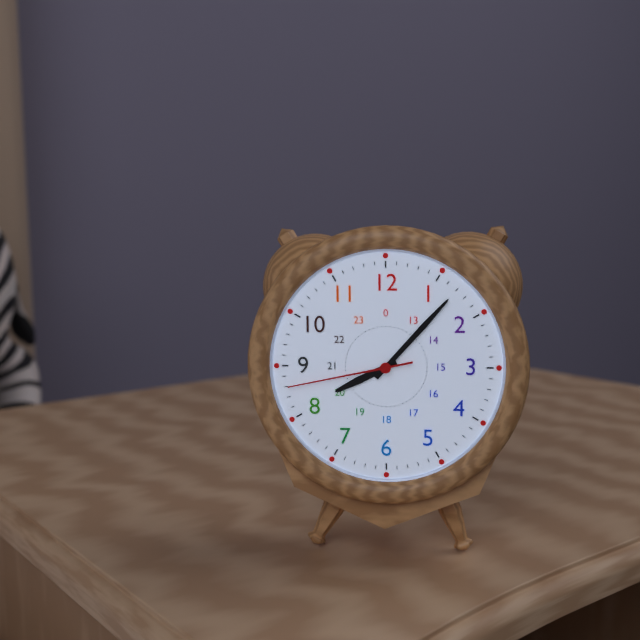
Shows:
8,07,43
